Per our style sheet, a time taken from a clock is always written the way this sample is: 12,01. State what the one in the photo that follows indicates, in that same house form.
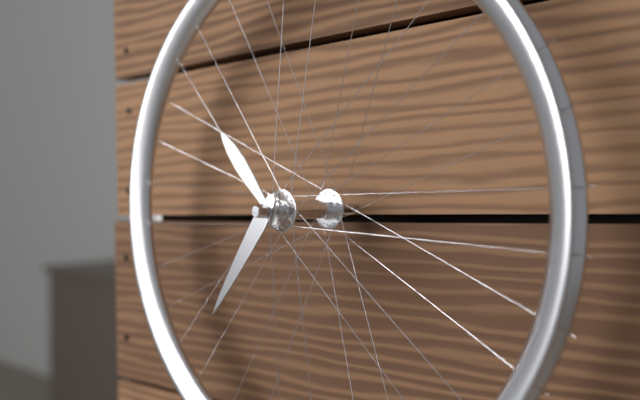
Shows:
10,36
